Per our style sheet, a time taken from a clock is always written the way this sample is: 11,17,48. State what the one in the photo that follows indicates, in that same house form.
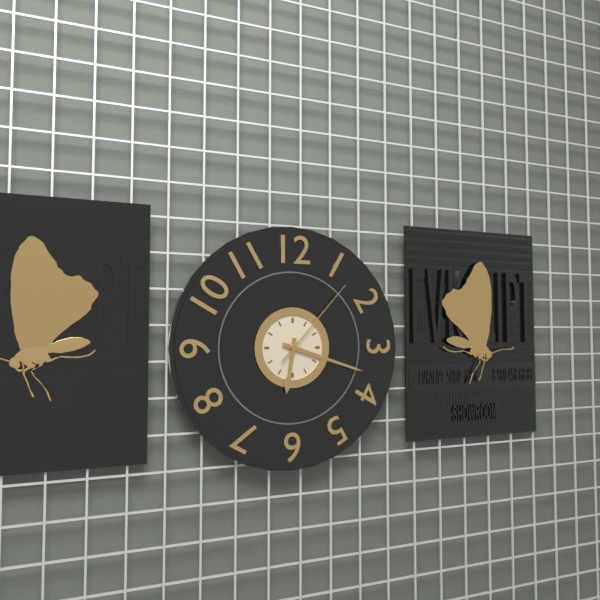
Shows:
6,18,07
